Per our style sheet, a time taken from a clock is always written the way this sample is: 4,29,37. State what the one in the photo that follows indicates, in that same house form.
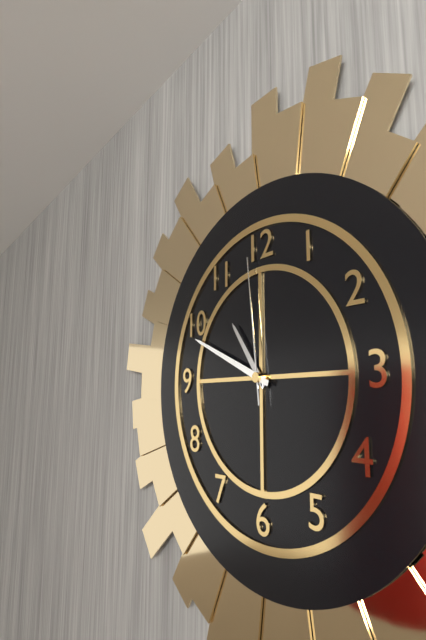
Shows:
10,49,59
